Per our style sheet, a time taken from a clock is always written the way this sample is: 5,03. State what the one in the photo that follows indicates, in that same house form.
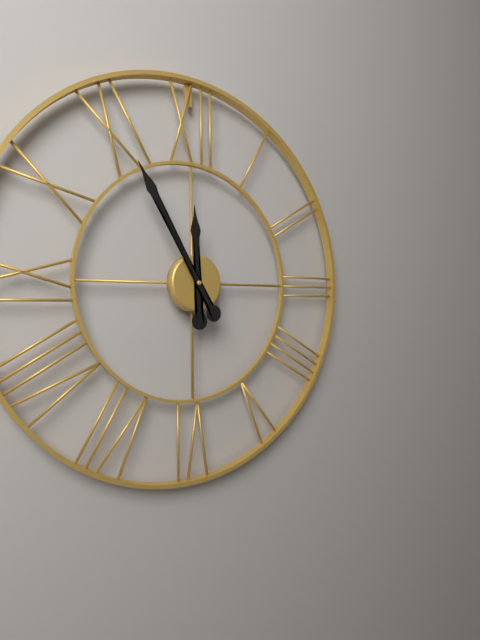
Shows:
11,55
